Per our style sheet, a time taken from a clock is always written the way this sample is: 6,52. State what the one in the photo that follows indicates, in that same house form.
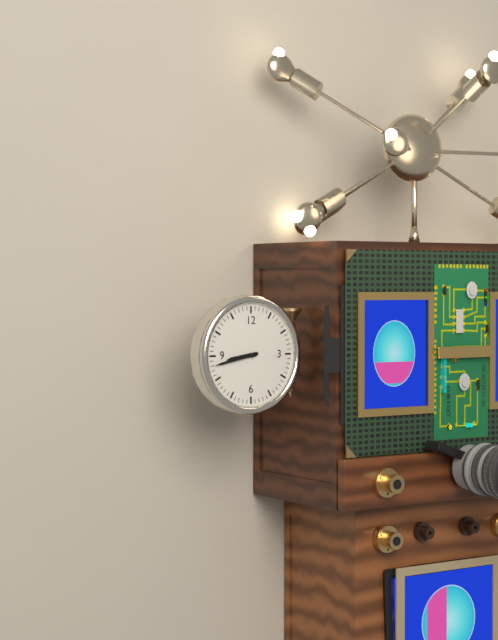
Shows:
8,43
